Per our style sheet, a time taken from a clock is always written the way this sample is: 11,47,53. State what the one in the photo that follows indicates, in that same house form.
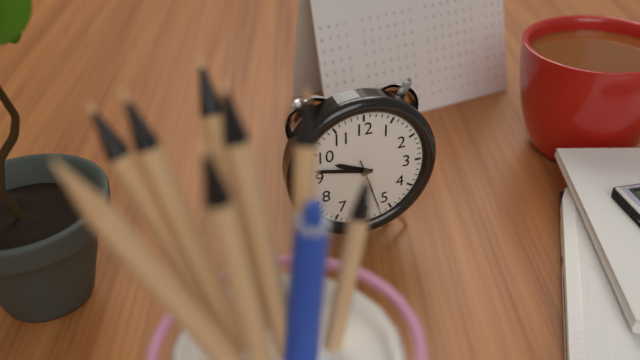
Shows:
9,47,27
